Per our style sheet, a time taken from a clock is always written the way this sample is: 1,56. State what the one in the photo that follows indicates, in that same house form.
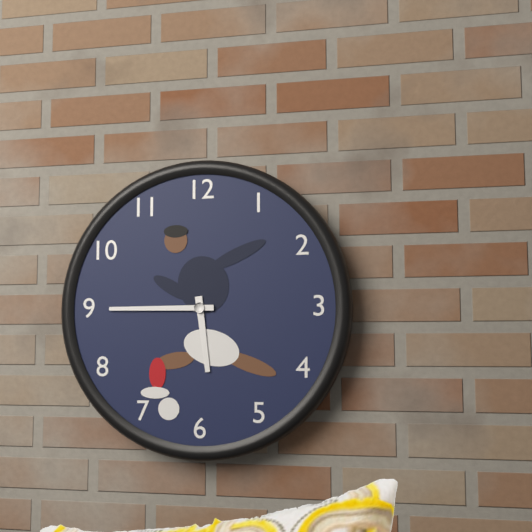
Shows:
5,45
